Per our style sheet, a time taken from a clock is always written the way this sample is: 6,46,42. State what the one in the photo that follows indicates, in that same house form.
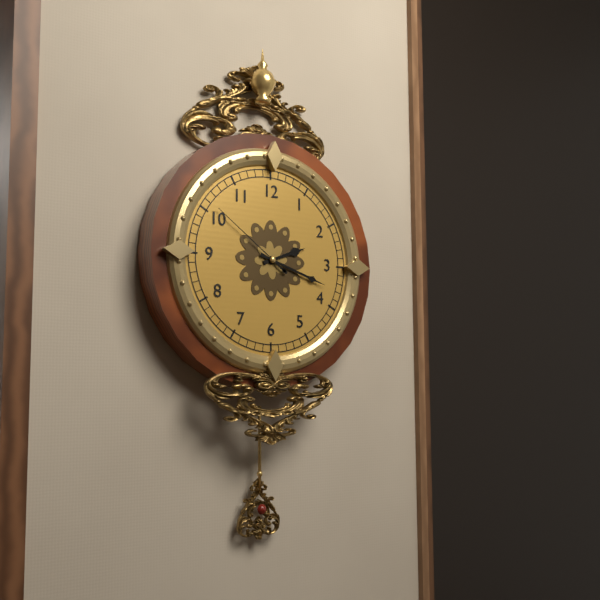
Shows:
2,18,51
